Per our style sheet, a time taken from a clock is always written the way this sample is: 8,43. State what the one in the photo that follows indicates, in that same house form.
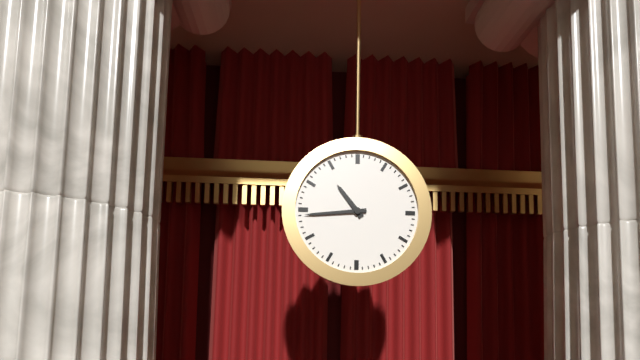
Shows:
10,44
